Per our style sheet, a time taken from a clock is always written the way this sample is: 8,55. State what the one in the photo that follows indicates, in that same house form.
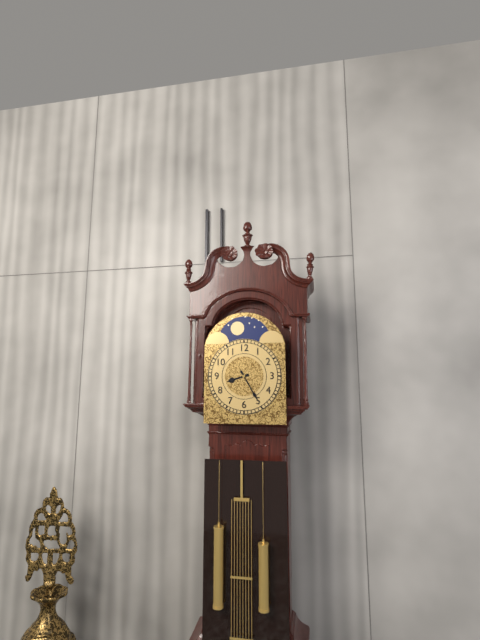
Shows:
8,25
